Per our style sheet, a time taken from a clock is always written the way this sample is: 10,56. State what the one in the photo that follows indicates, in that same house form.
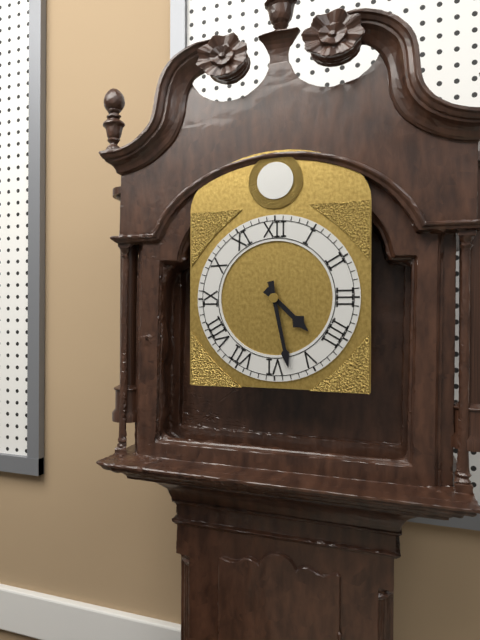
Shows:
4,28
